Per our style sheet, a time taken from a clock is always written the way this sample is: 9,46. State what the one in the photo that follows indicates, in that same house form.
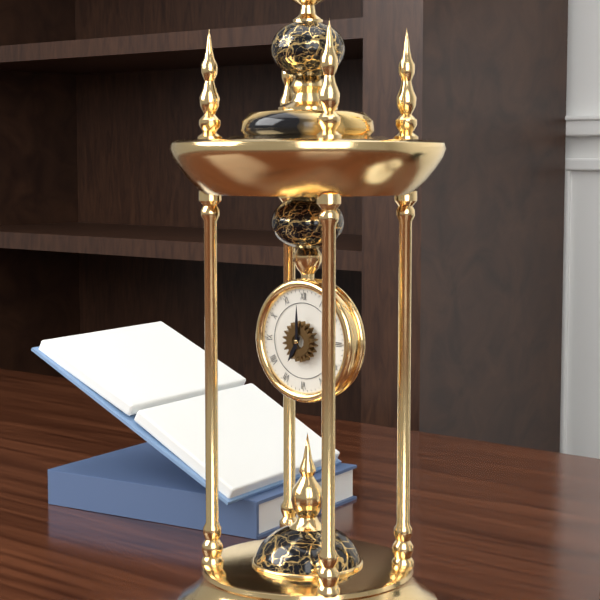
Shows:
7,00
